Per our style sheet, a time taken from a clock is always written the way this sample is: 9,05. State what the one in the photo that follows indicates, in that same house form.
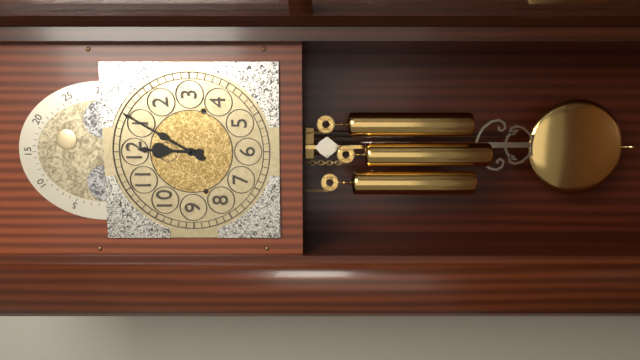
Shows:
12,05
